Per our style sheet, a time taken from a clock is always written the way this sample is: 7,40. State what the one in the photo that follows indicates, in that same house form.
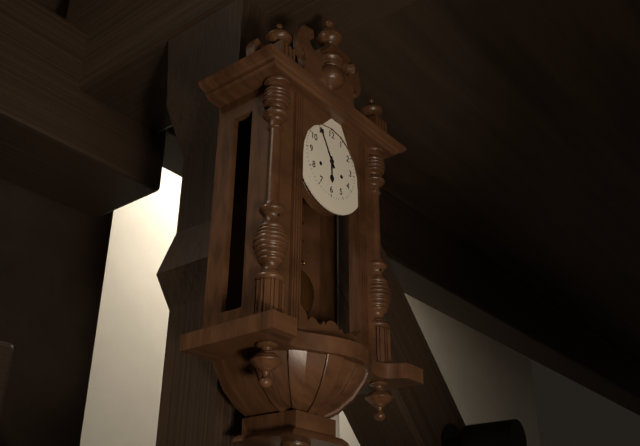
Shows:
5,55
